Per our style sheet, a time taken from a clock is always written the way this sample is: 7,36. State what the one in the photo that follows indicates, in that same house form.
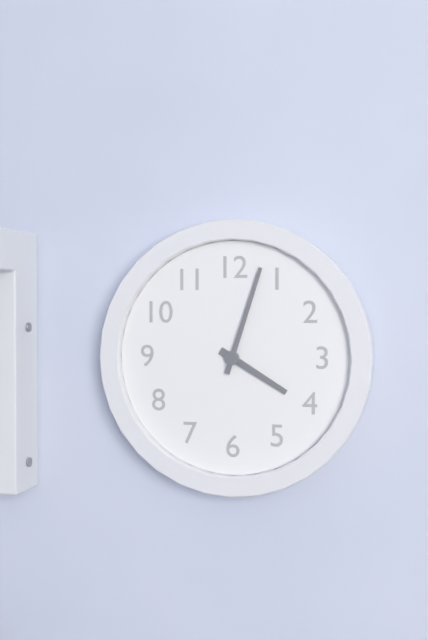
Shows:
4,03
